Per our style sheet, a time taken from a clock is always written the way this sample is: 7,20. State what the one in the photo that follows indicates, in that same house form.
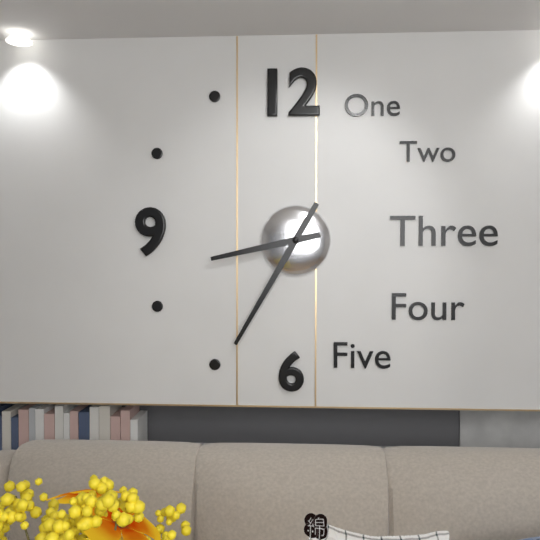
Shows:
8,35
